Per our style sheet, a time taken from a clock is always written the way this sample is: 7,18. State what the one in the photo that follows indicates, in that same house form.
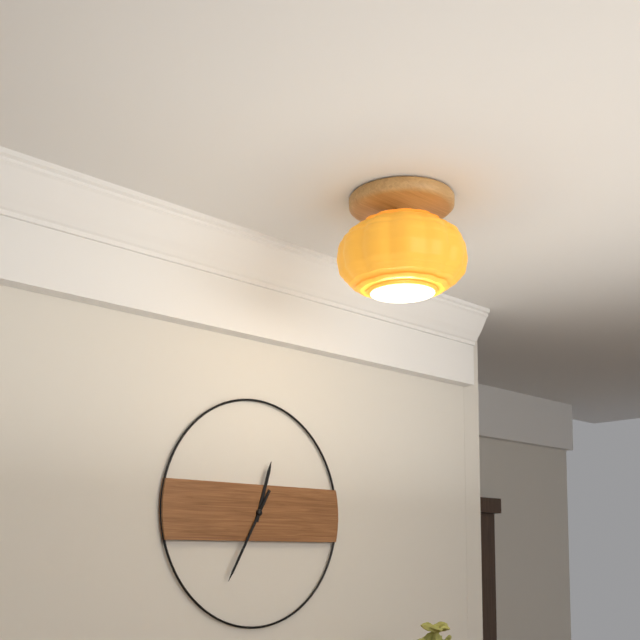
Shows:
12,35
